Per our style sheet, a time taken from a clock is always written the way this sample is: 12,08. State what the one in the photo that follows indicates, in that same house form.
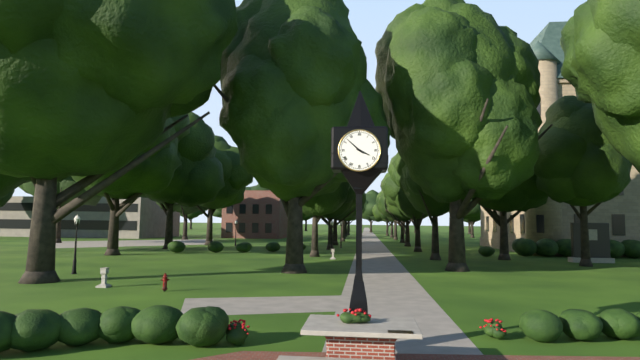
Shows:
3,52
